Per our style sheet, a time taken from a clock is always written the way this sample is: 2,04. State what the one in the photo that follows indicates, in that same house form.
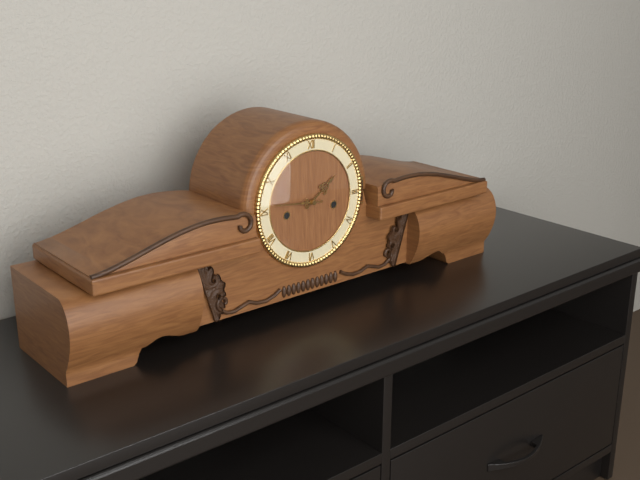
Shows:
1,46
